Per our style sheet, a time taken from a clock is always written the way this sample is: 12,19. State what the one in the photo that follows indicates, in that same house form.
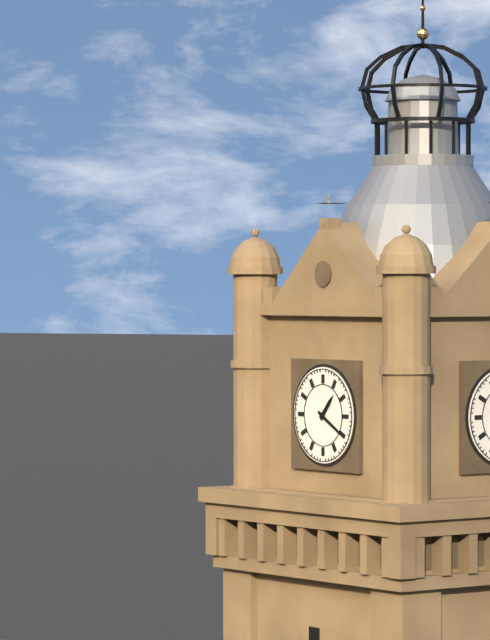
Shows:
1,20
